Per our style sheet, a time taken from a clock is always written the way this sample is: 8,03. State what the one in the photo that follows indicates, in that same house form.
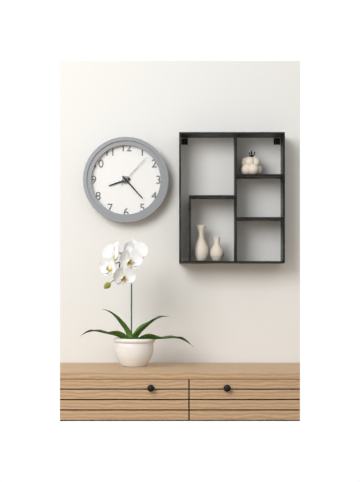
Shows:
8,23
